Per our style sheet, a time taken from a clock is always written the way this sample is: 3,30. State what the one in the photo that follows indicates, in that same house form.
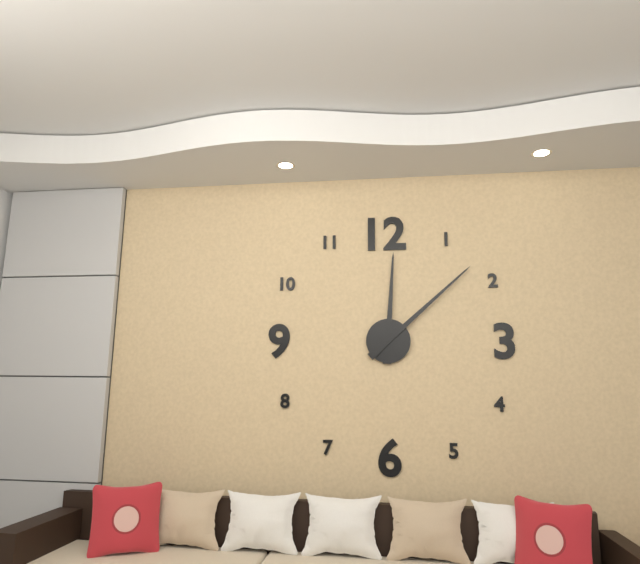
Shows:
12,08
